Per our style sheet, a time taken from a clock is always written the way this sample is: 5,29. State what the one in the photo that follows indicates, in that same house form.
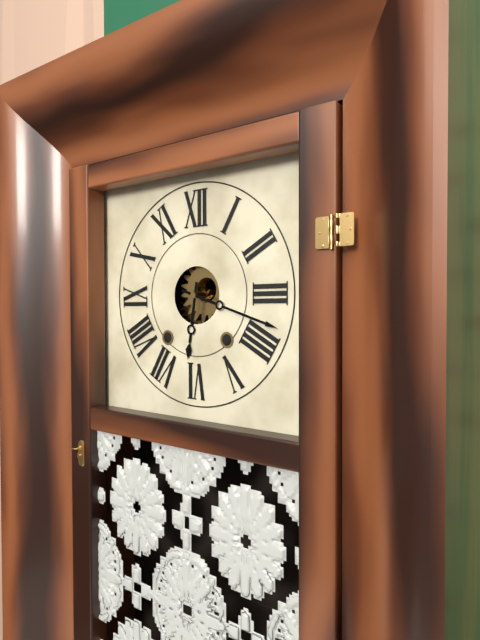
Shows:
6,18
